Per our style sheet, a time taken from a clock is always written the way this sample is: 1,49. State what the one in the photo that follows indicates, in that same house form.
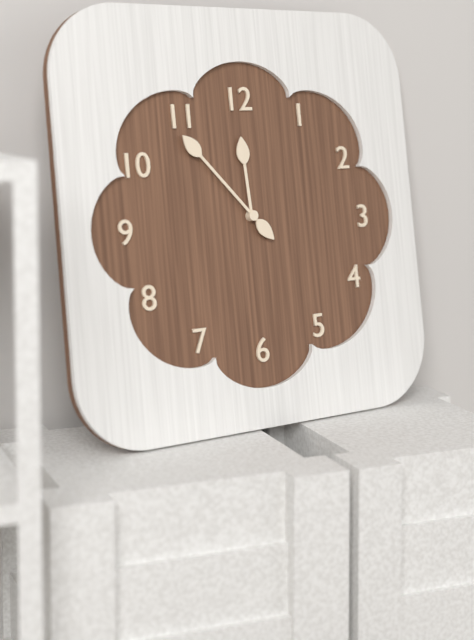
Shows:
11,53
